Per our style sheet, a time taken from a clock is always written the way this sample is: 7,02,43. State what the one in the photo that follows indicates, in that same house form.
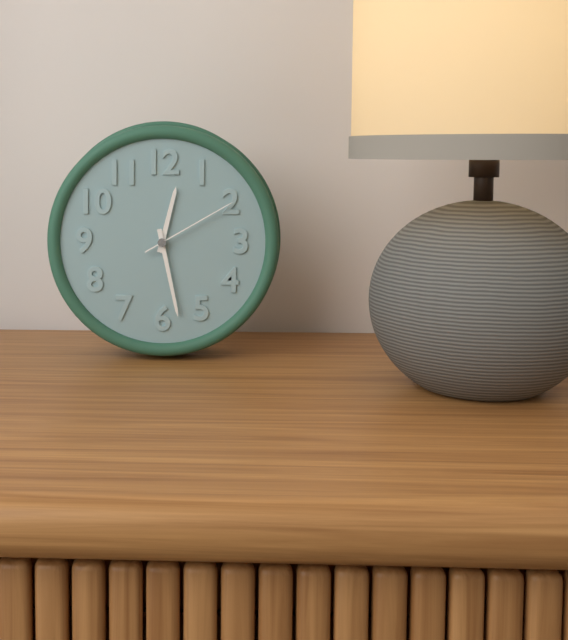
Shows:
12,28,10
